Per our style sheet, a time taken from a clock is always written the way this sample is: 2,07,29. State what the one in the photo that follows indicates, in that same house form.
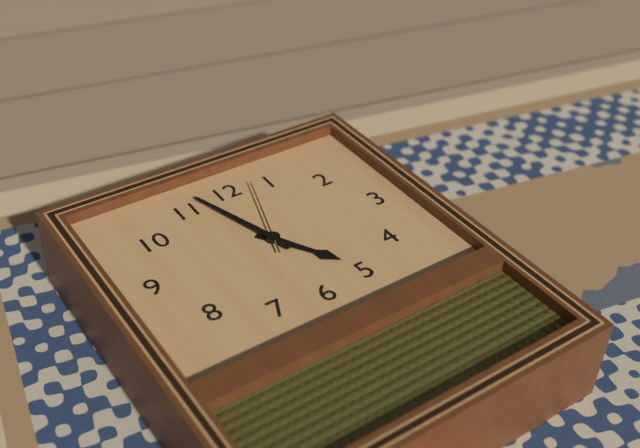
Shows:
4,57,03
